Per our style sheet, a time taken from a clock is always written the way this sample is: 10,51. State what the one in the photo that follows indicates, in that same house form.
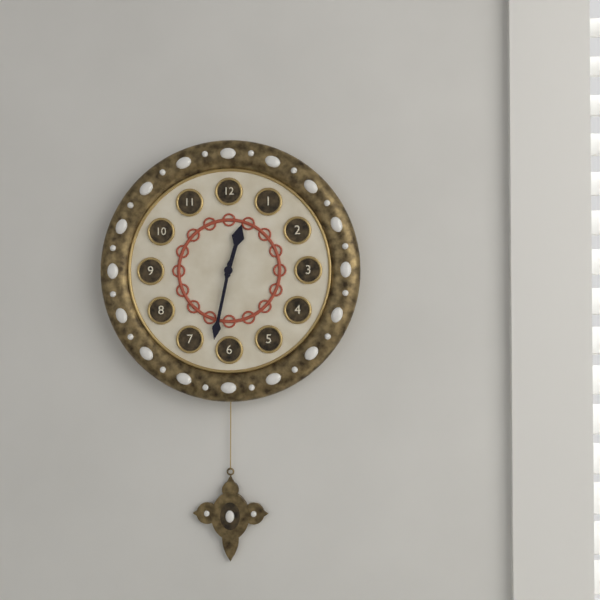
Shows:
12,32
